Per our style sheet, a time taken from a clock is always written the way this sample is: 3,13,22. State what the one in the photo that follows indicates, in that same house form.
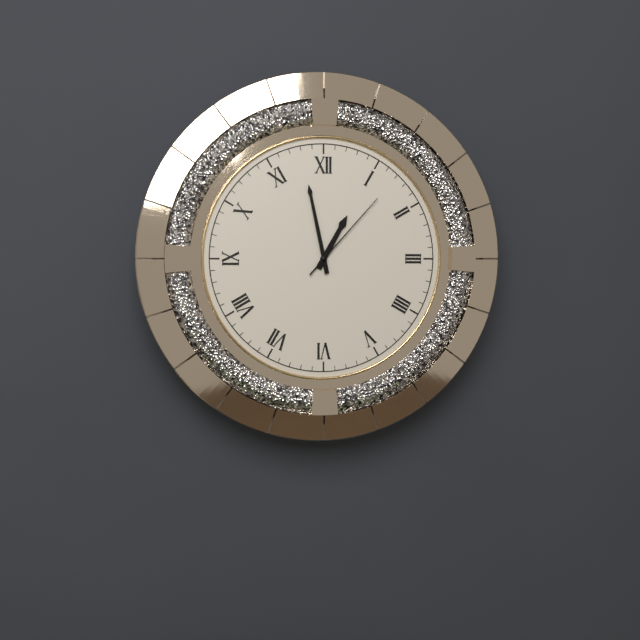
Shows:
12,58,07
